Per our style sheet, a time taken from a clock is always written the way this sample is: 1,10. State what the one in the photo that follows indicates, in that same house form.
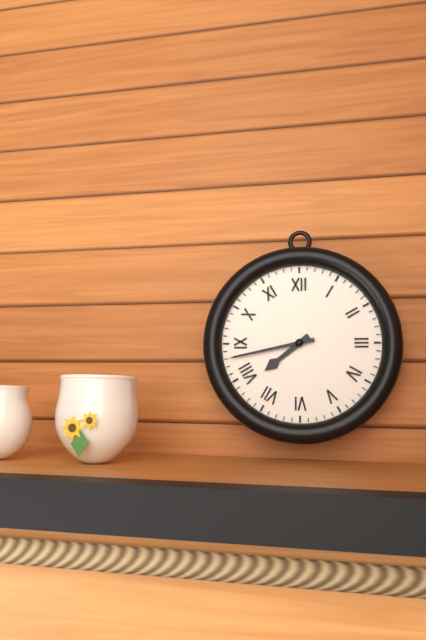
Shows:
7,43
